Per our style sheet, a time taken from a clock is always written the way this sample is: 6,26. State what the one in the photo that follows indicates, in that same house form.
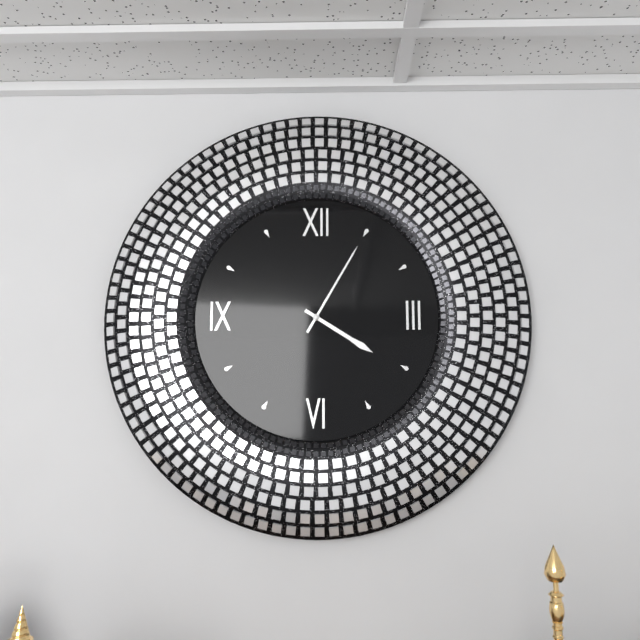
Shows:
4,05
